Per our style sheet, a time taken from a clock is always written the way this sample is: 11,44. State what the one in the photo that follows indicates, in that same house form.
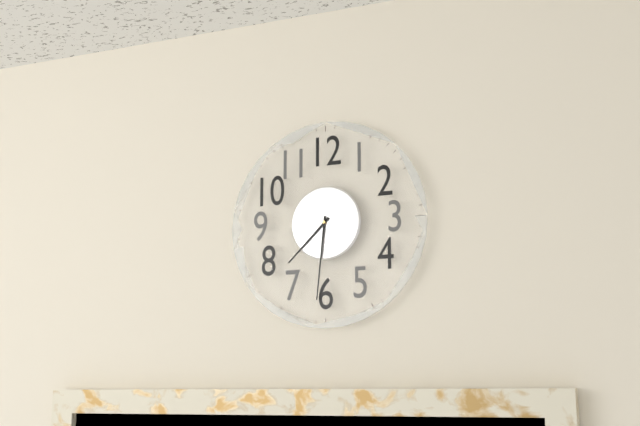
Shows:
7,31
